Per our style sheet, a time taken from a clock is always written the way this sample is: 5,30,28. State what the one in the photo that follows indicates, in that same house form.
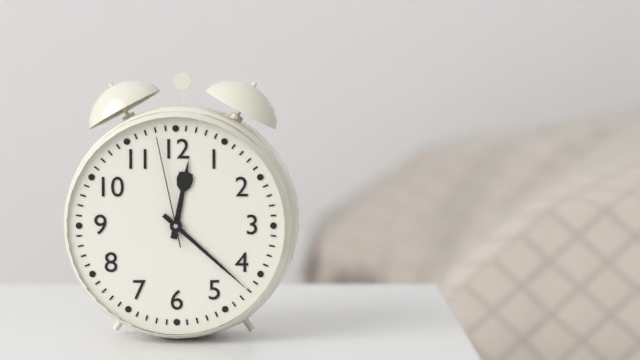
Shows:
12,22,58
